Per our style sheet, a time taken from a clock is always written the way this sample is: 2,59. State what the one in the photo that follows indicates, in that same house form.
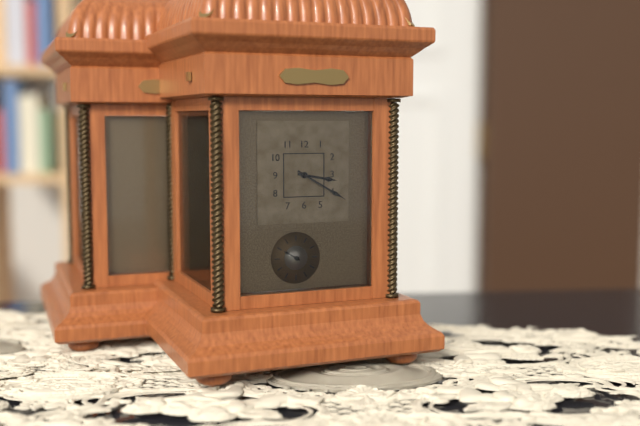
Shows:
3,20
